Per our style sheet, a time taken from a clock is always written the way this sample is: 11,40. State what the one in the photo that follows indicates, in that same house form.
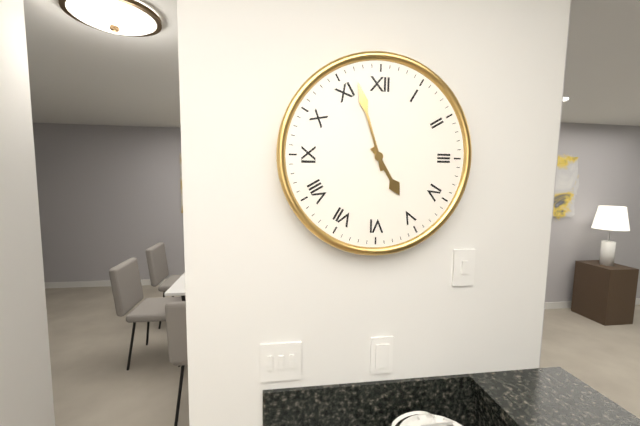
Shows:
4,57
